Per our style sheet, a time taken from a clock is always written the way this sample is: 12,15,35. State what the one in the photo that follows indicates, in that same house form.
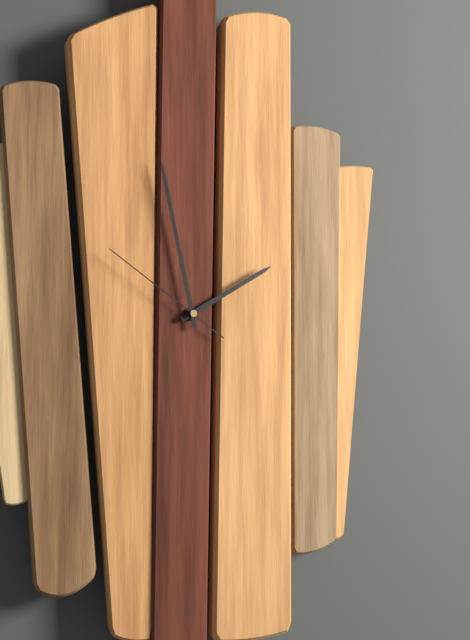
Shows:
1,58,51
